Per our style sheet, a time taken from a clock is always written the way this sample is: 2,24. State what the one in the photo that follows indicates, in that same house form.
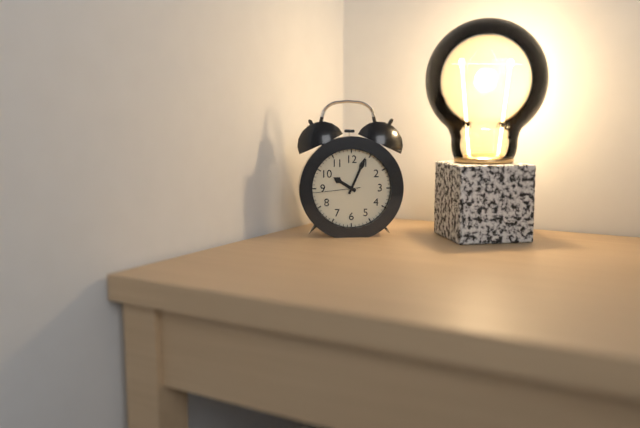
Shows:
10,04
